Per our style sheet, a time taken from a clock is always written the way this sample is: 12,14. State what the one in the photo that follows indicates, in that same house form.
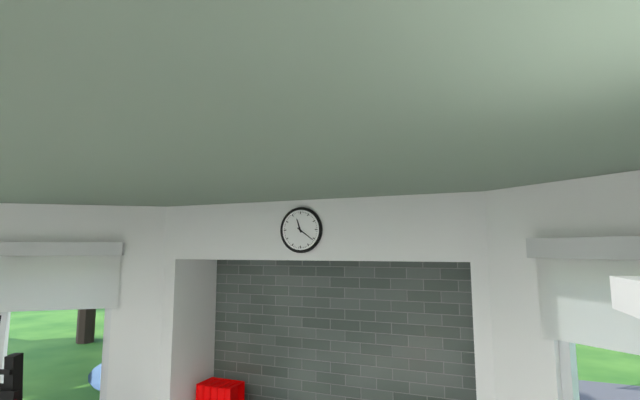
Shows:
11,21
